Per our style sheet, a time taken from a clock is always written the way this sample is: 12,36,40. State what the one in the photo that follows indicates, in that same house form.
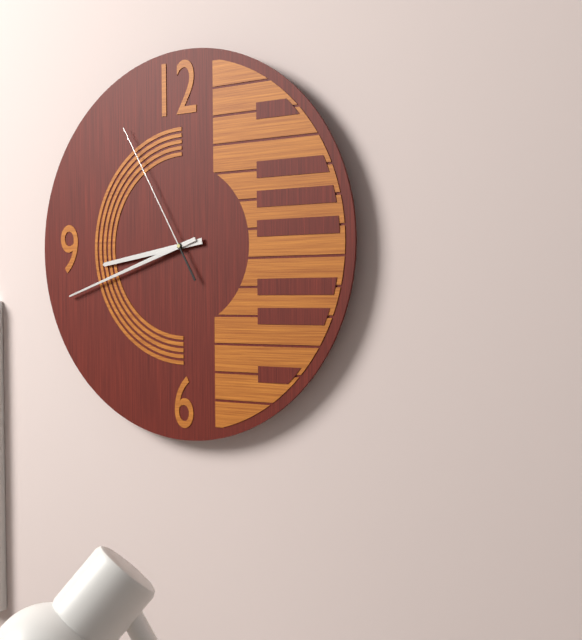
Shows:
8,42,55
